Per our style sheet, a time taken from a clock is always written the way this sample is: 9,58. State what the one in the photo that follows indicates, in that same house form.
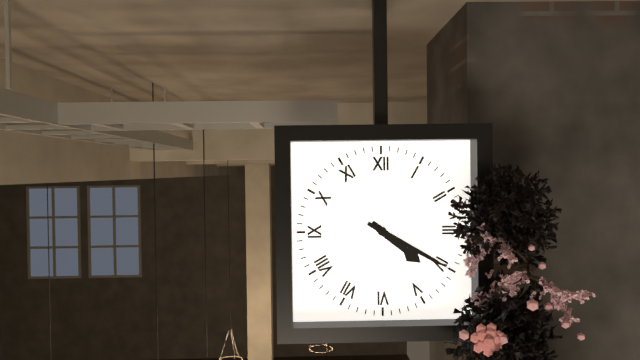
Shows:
4,20
